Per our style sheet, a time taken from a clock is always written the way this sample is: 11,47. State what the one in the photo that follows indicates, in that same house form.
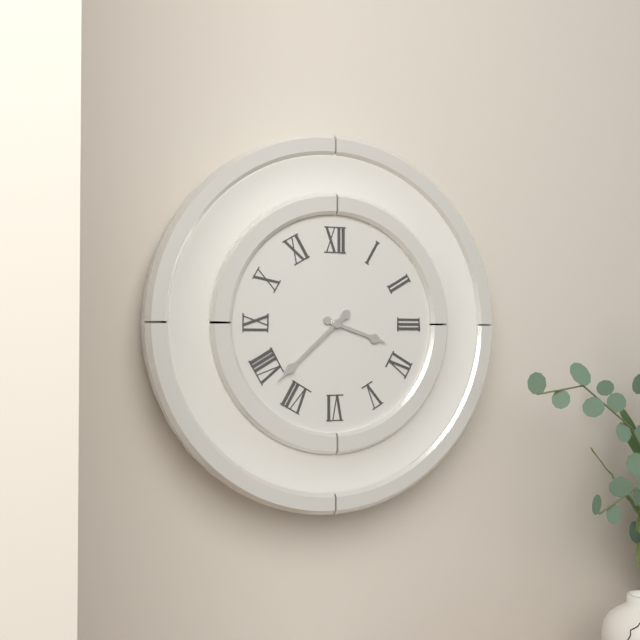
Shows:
3,38
